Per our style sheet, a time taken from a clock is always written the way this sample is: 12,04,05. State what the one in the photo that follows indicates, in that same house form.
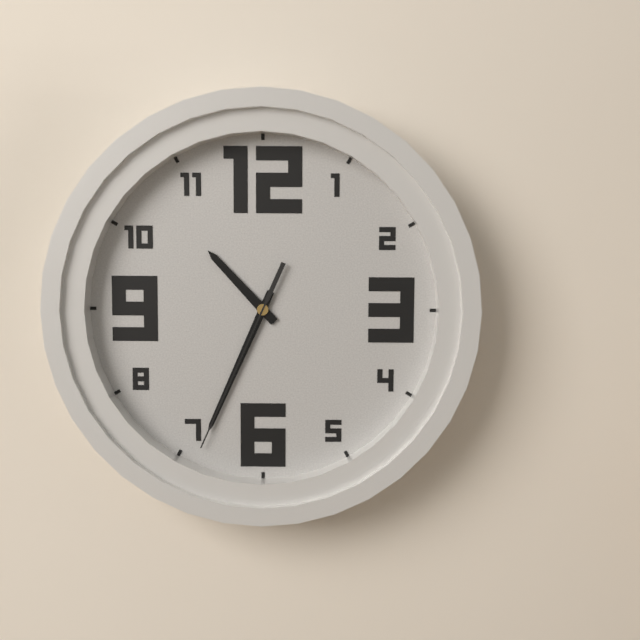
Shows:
10,34,34
